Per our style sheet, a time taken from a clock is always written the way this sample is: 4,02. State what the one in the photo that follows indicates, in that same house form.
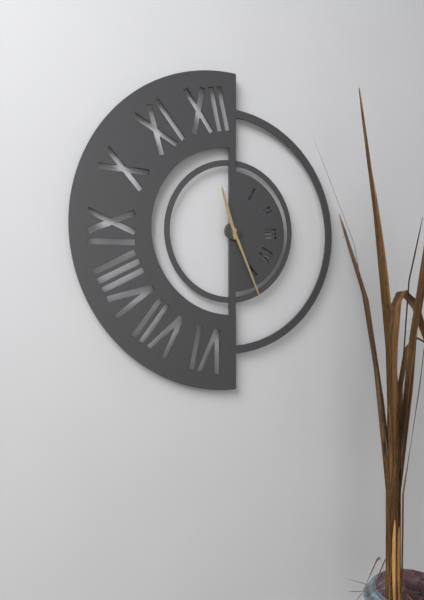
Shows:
11,26
